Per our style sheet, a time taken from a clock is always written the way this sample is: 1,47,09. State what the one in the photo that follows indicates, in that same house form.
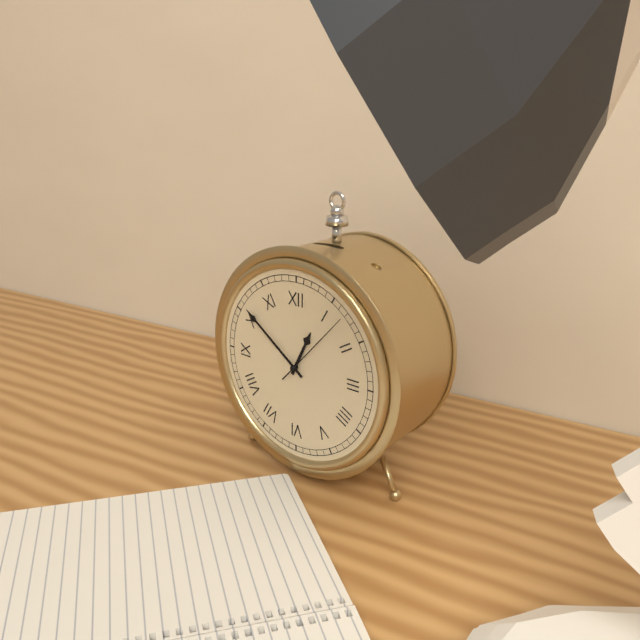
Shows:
12,51,07
